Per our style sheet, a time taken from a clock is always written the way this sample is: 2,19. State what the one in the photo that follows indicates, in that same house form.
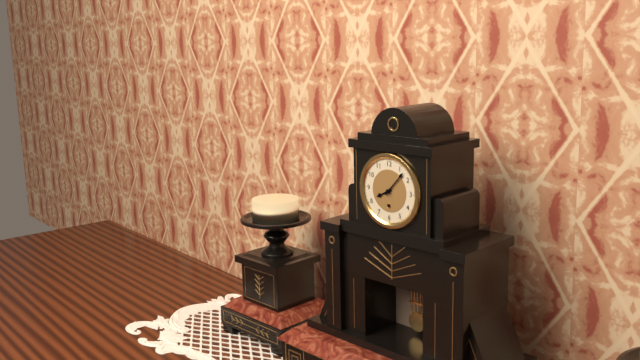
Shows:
8,07
